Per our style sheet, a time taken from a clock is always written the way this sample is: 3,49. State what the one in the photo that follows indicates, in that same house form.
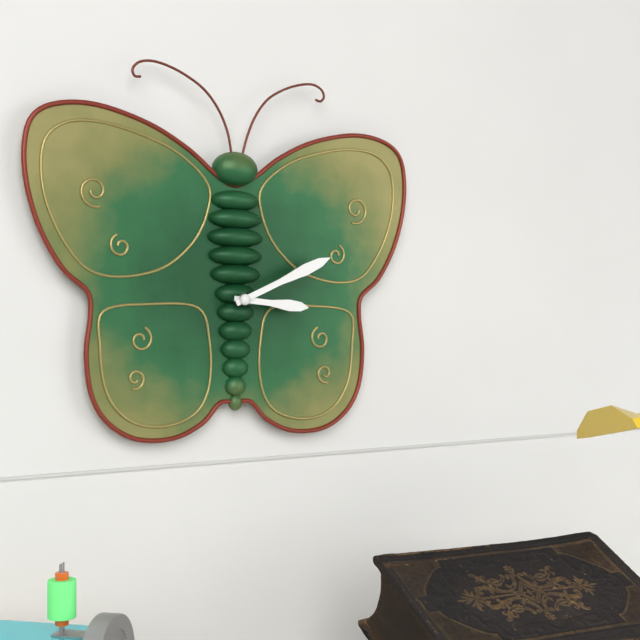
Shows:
3,11
